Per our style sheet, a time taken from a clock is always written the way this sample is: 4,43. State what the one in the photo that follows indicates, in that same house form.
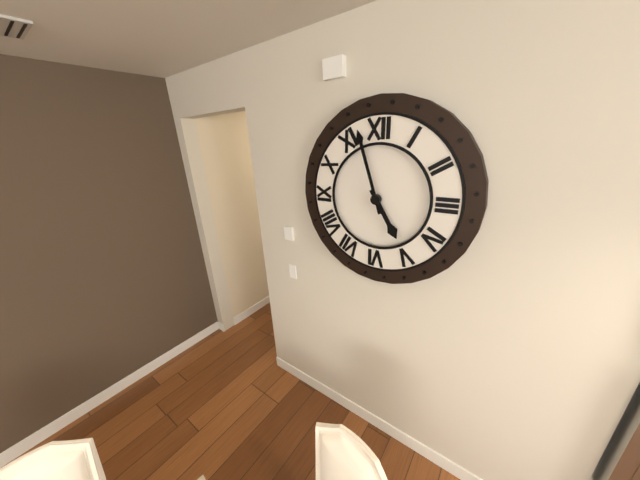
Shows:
4,57
